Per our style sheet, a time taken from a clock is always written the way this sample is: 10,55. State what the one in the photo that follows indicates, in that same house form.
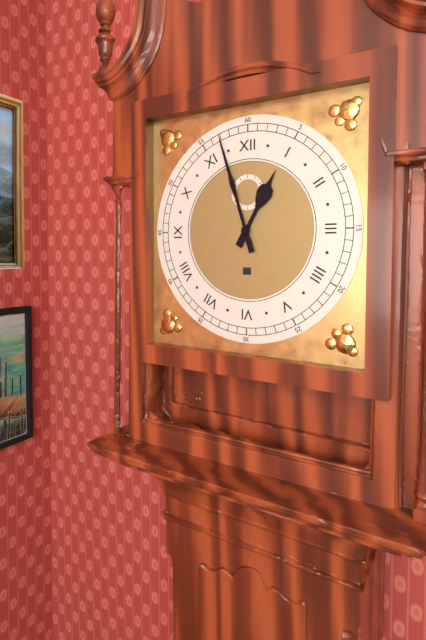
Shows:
12,57
